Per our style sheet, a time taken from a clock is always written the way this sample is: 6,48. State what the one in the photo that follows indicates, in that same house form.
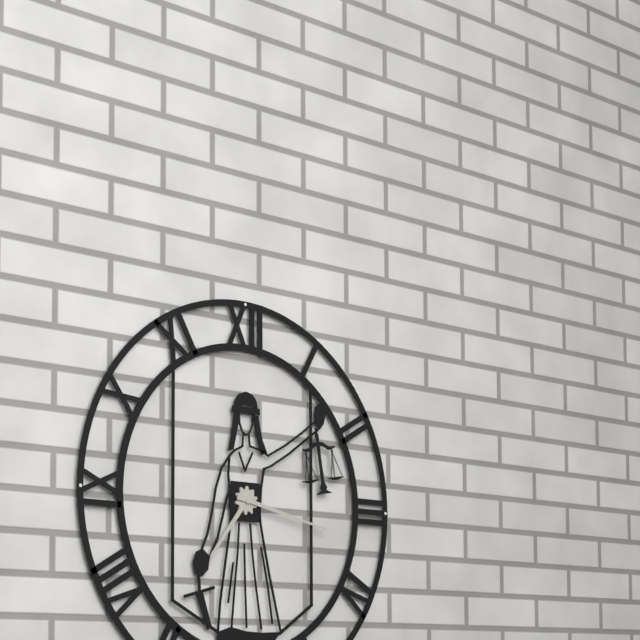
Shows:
7,17
